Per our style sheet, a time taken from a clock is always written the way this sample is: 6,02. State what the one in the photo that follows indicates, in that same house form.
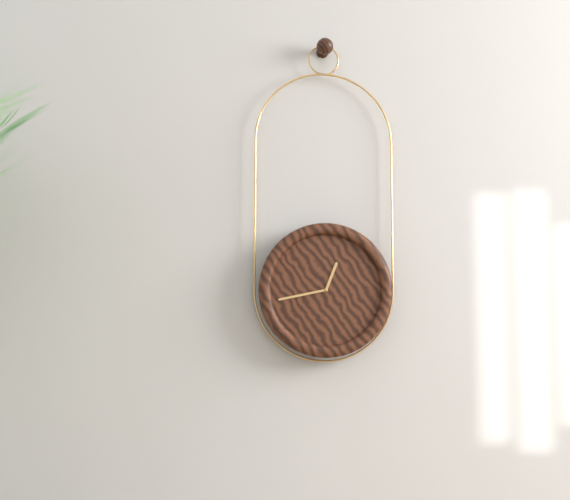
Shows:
12,43
